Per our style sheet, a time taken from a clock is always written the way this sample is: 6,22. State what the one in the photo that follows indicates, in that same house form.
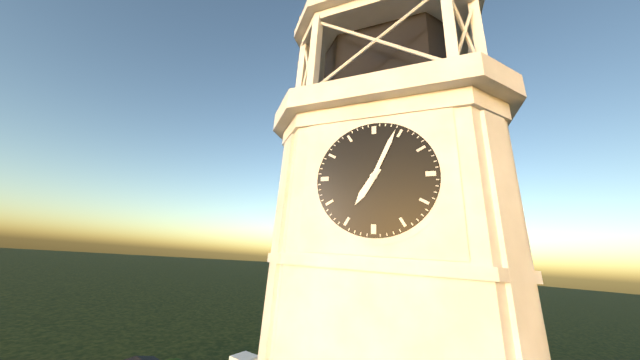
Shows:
7,04
